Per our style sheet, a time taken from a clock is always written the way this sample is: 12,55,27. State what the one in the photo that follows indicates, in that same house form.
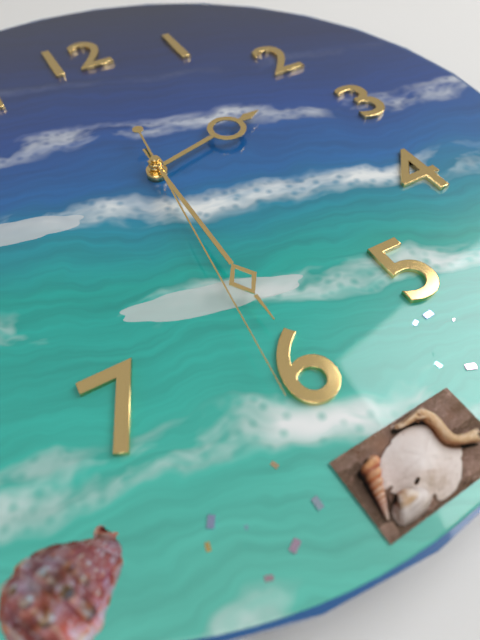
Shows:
2,30,31
